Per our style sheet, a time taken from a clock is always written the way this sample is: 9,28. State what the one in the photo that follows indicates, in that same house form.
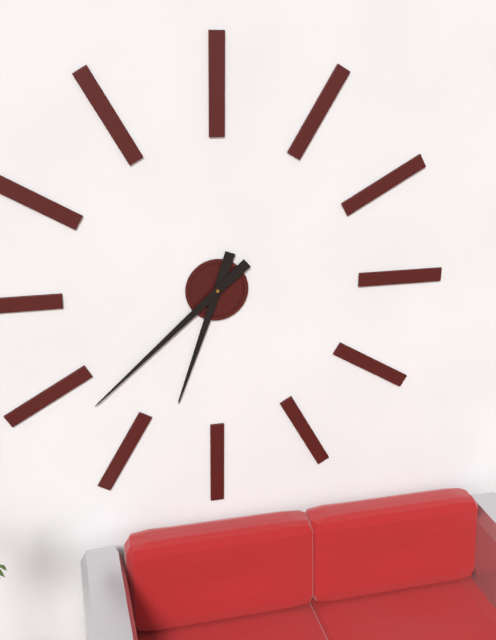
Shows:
6,38
